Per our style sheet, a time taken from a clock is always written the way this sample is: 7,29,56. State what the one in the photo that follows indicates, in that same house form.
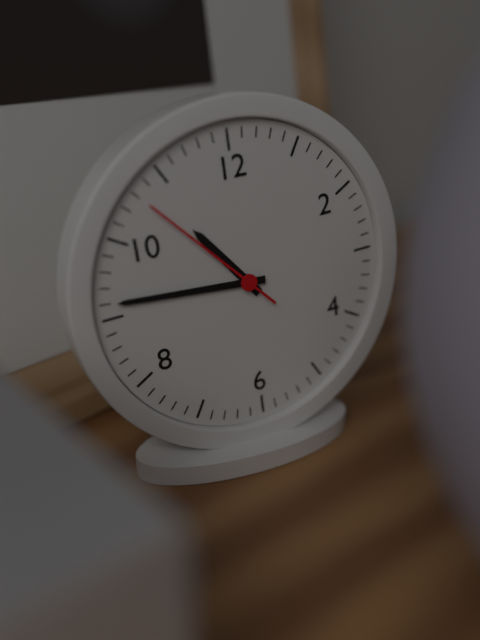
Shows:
10,46,53
